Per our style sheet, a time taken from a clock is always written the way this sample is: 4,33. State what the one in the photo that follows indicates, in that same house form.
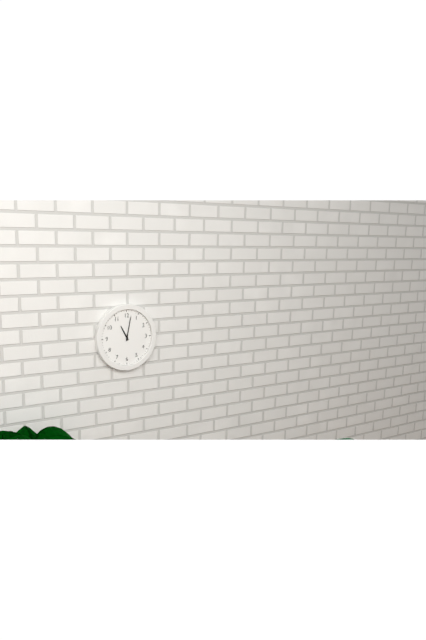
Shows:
11,02
